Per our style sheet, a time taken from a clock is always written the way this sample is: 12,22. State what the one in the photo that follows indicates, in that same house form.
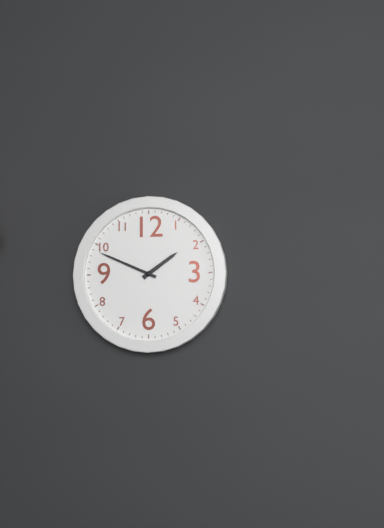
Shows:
1,49
